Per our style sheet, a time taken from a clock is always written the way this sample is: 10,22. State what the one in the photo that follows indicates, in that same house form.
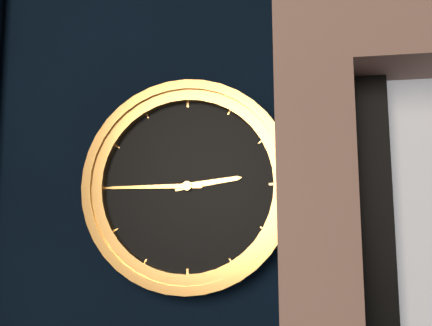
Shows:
2,45
